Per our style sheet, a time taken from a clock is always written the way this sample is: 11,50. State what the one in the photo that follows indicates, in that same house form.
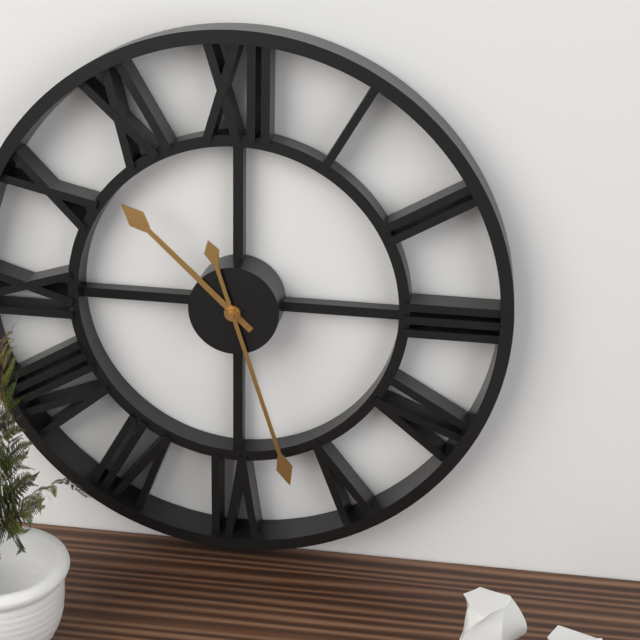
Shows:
10,27
